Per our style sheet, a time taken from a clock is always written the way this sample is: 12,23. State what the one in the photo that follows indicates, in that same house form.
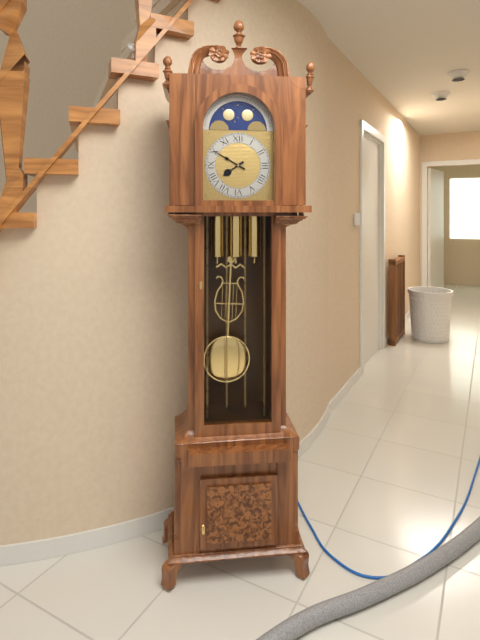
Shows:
7,50
